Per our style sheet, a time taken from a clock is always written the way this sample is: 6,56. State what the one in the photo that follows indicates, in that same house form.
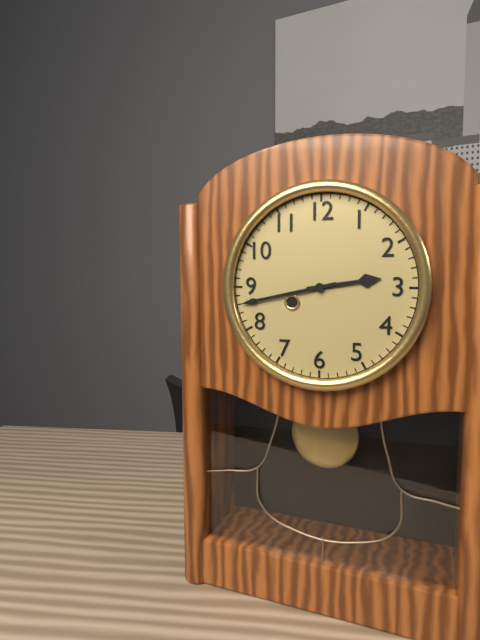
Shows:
2,43
